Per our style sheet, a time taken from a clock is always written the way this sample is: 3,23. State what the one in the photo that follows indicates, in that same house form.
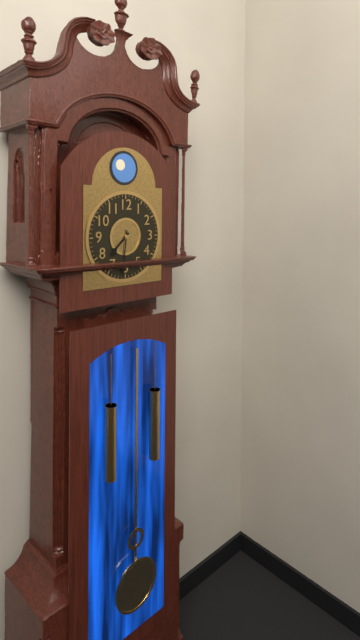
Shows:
7,31
